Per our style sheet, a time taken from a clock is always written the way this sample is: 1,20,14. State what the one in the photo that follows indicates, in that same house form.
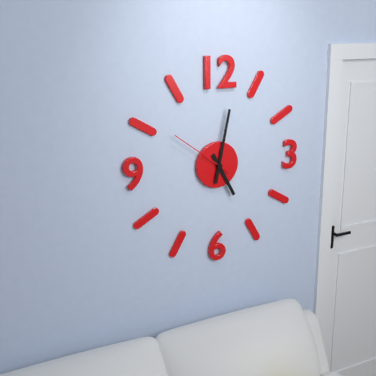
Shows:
5,02,51
